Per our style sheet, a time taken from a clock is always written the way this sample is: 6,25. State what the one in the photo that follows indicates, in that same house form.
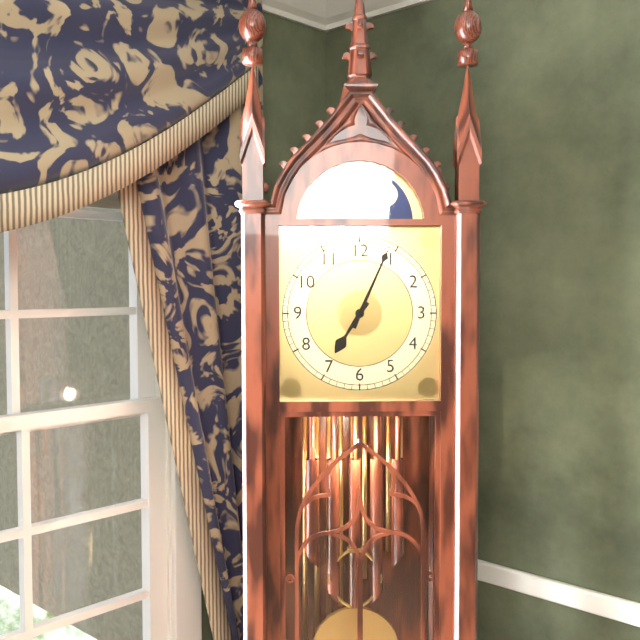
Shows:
7,04
